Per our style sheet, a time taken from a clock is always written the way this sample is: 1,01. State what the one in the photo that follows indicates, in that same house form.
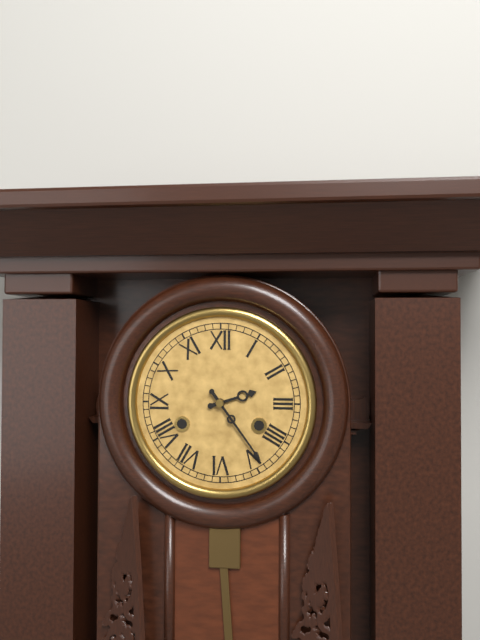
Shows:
2,24
